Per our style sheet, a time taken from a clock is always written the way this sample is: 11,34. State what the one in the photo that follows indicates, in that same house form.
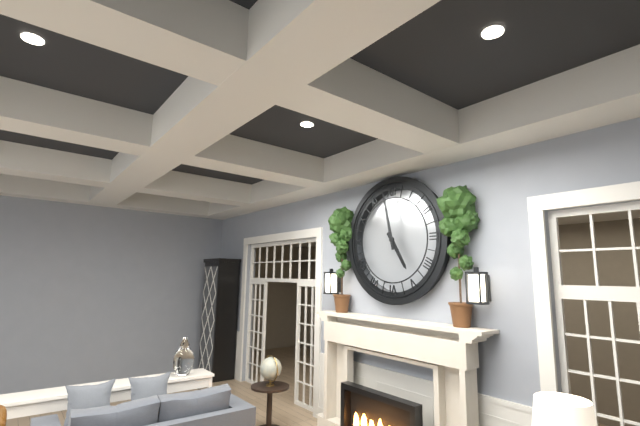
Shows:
4,58
